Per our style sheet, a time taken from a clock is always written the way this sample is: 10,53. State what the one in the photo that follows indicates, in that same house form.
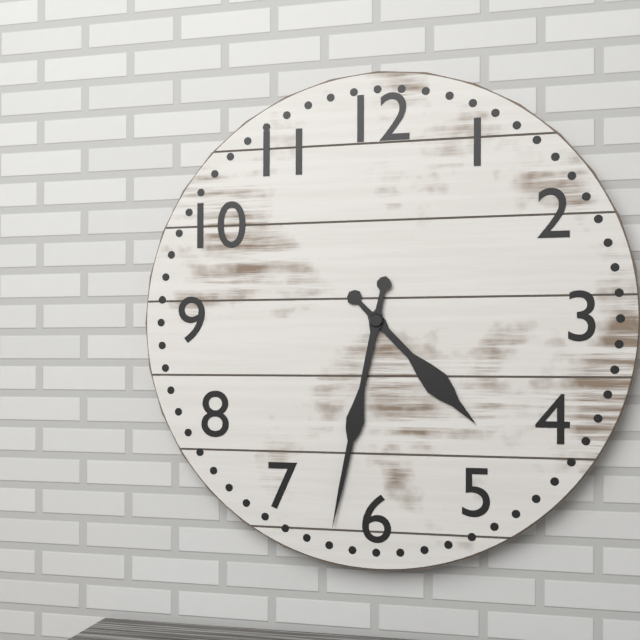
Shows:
4,32
